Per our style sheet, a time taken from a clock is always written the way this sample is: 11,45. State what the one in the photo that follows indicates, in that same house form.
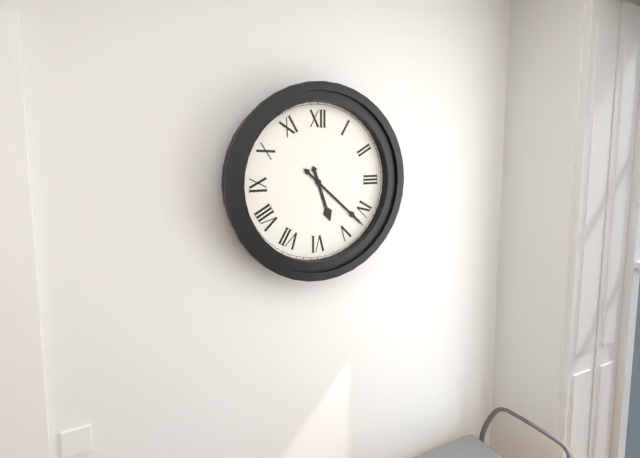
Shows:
5,22
